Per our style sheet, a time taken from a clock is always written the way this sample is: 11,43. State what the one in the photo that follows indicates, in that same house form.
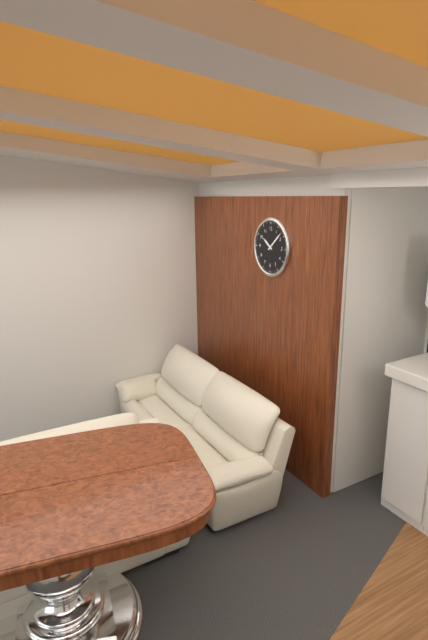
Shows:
10,08
